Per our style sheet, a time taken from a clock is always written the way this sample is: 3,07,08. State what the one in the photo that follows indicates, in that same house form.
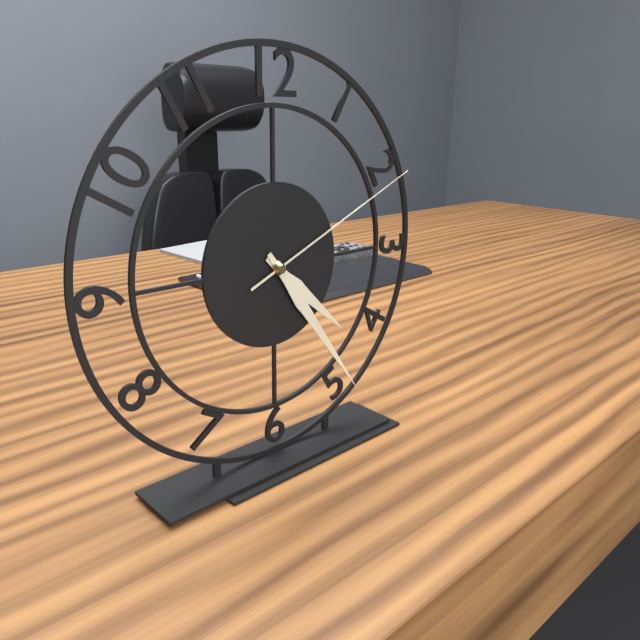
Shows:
4,24,11
